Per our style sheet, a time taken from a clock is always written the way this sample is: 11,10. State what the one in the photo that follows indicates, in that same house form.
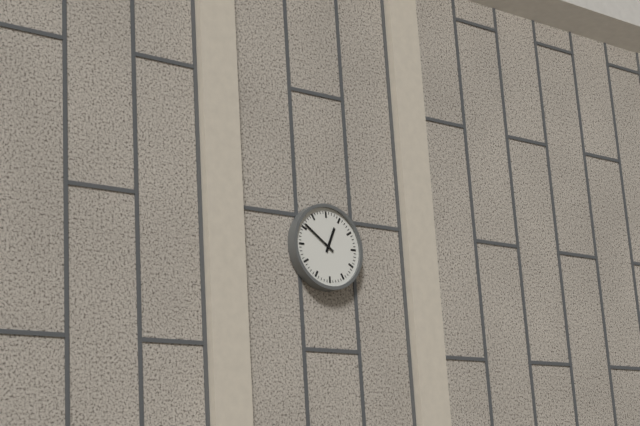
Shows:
12,51
